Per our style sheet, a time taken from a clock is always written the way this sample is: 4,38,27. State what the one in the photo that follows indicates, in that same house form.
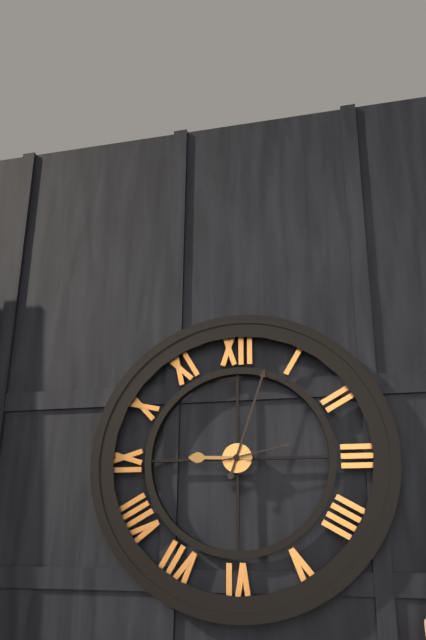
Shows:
9,03,13
